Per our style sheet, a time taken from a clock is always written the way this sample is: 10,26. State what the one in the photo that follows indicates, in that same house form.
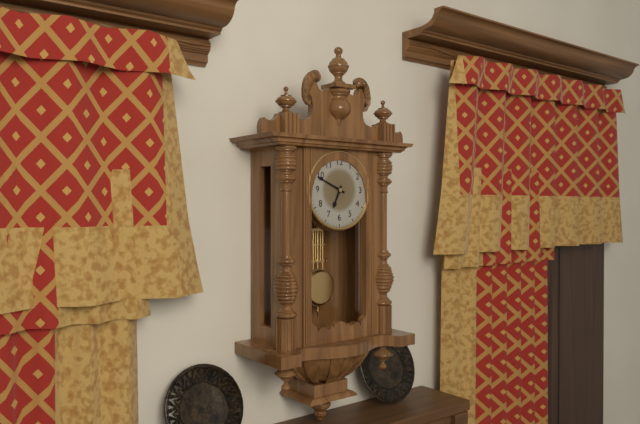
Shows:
6,49
